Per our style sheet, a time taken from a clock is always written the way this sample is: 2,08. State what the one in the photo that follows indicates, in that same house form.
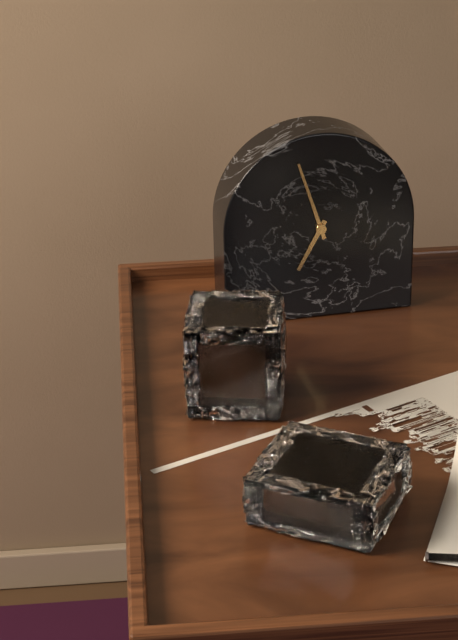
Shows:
6,57
